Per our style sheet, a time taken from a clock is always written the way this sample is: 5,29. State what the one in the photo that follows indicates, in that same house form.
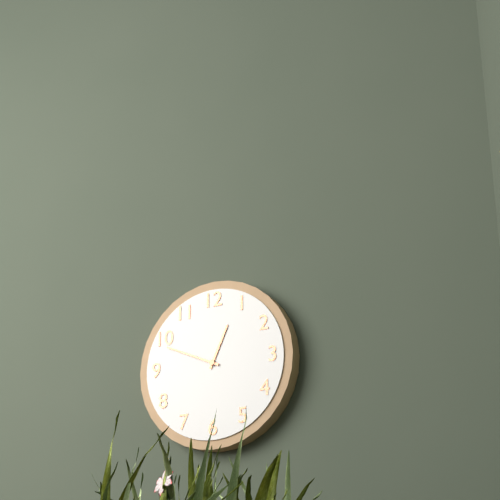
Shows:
12,49
